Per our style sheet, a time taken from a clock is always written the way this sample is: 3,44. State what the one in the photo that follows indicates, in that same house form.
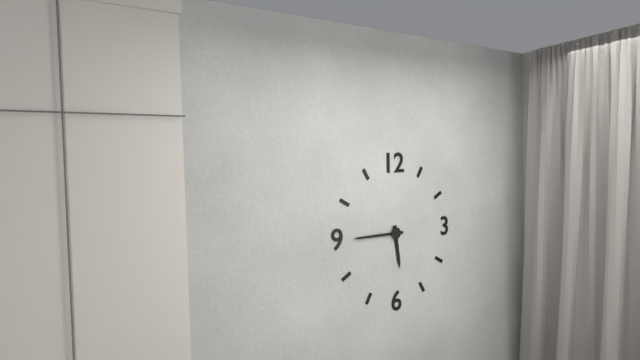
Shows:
5,45
